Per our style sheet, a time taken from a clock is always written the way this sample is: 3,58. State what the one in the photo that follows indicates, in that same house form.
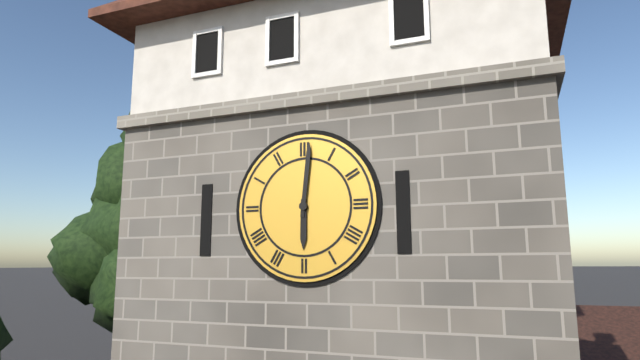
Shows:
6,01
